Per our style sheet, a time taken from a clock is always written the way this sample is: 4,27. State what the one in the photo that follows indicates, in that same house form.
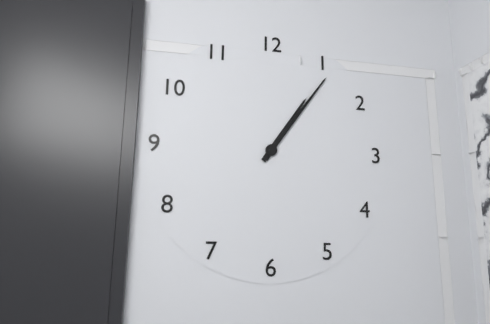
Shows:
1,06
